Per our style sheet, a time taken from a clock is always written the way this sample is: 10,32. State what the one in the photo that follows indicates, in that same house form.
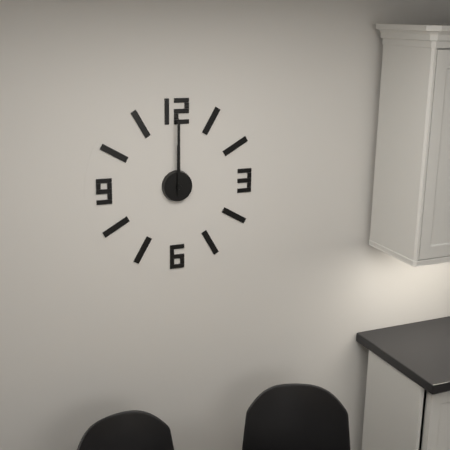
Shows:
12,00
